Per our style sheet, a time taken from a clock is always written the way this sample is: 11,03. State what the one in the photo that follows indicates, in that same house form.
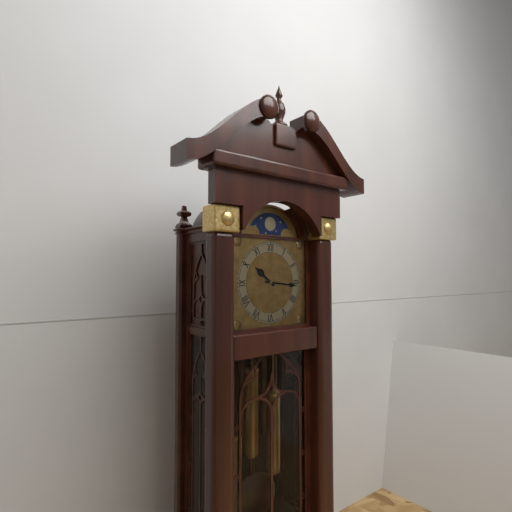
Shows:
10,16
